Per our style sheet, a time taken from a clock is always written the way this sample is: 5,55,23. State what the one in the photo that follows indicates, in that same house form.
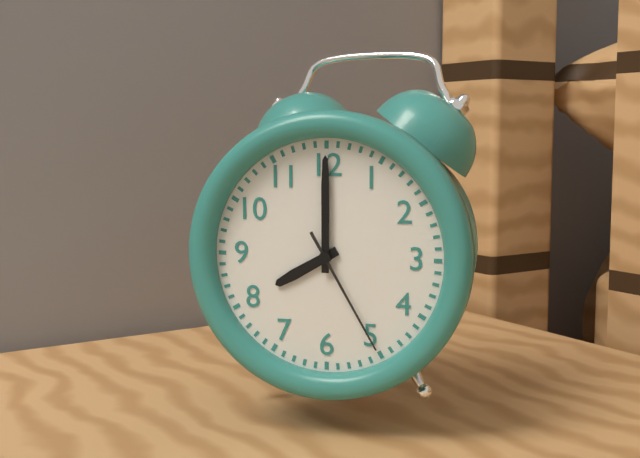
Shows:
8,00,25
